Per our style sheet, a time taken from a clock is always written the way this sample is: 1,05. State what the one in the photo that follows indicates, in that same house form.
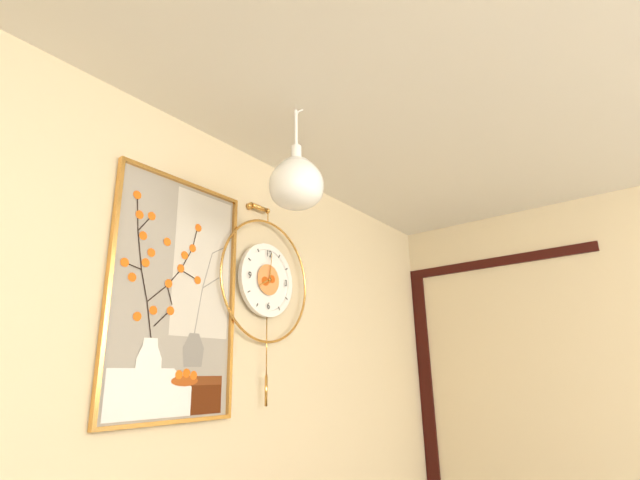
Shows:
8,01
